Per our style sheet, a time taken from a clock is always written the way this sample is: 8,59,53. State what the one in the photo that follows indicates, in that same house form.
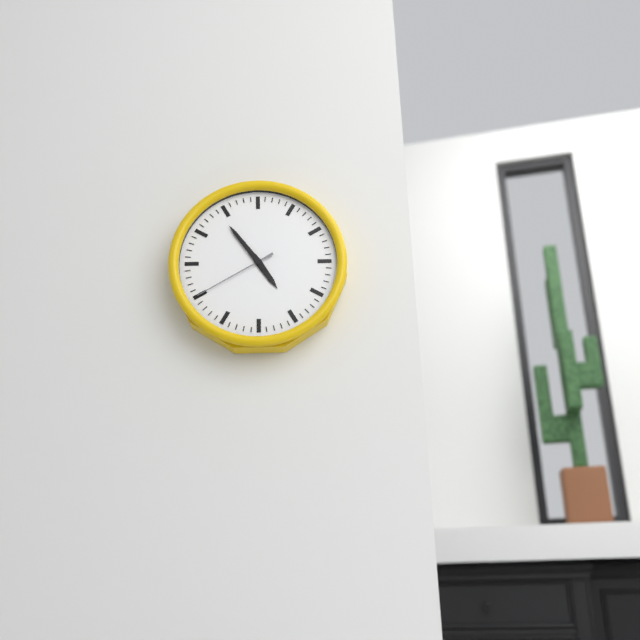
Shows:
4,54,40
